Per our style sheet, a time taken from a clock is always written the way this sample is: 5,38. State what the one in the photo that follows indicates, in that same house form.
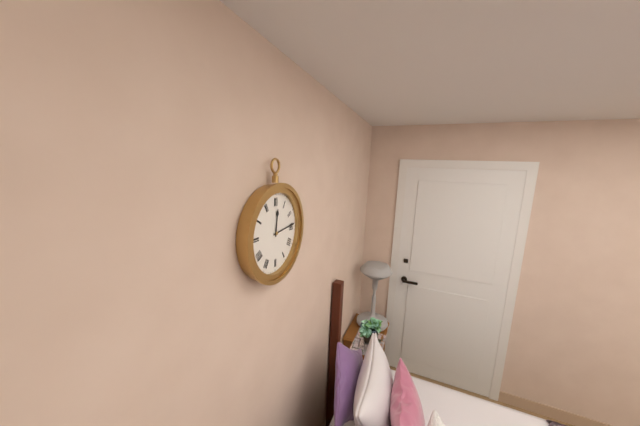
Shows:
12,14
